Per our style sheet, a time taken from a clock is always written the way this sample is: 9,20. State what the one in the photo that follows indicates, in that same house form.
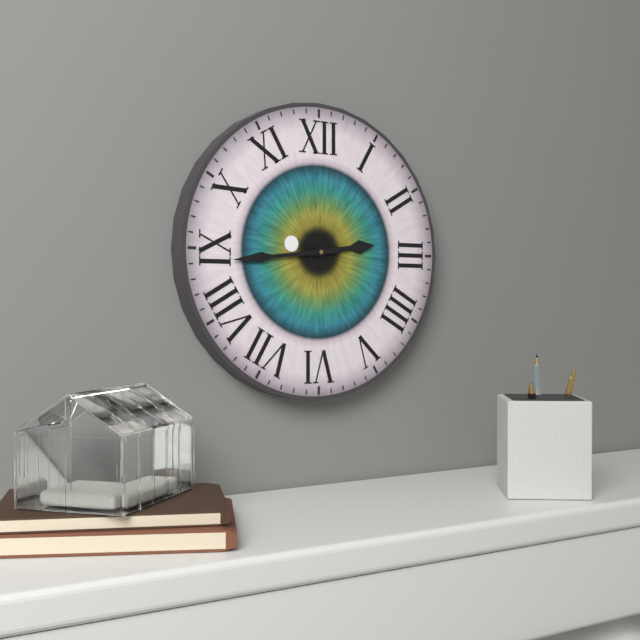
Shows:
2,44
